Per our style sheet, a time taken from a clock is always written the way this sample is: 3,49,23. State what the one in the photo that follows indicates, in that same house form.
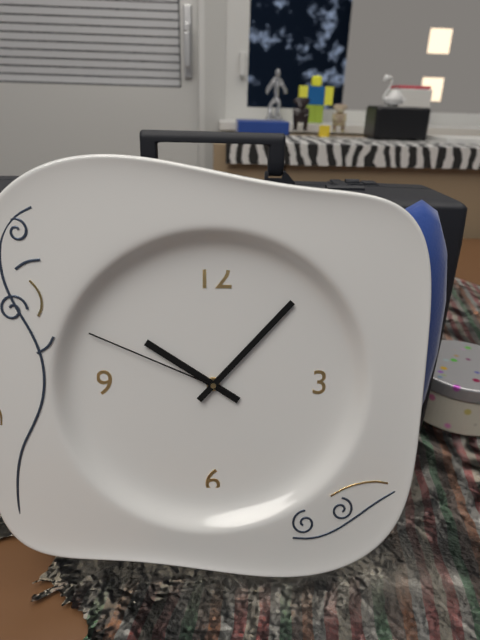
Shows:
10,07,49
